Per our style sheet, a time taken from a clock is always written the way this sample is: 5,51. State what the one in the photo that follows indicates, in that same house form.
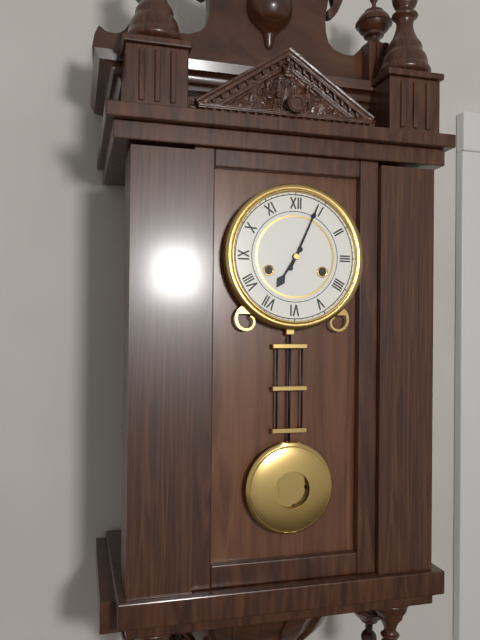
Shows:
7,04
